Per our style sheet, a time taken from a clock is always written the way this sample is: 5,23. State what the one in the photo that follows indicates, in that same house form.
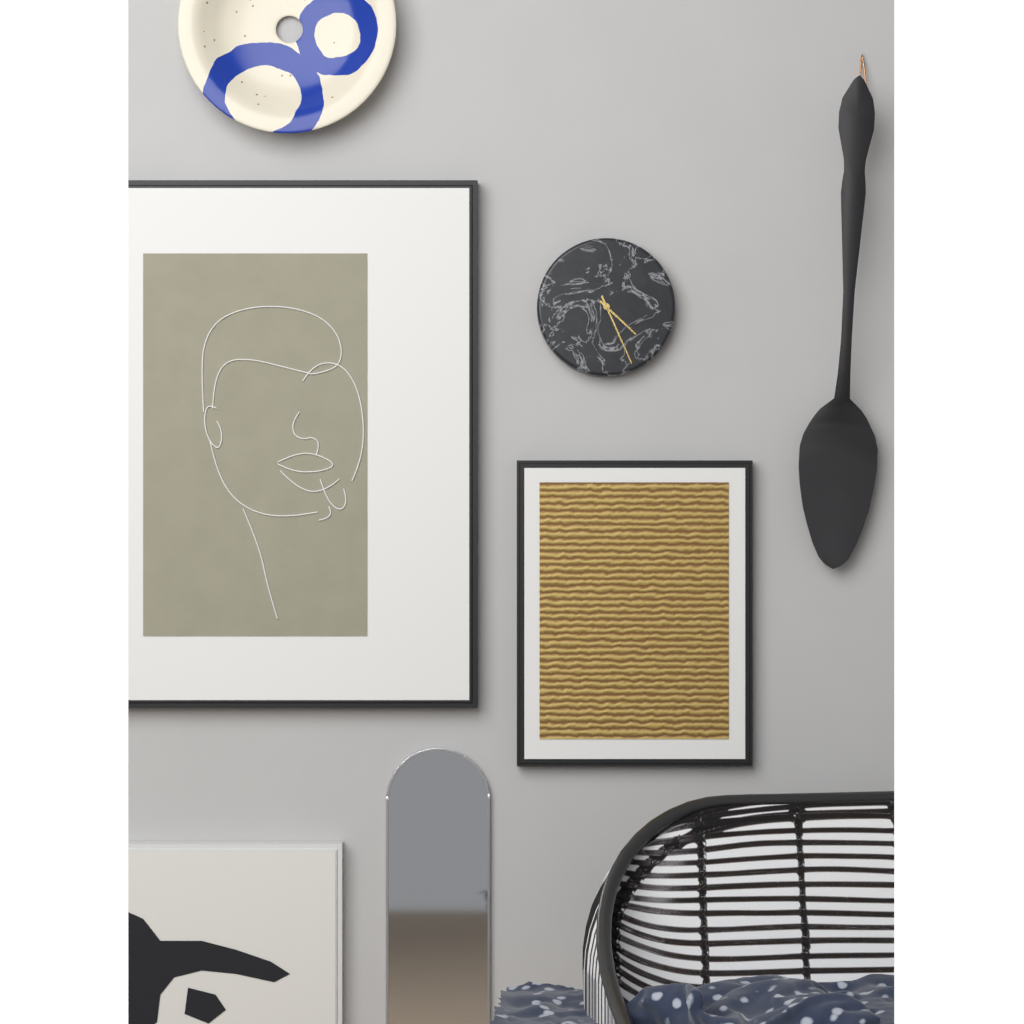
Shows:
4,26
